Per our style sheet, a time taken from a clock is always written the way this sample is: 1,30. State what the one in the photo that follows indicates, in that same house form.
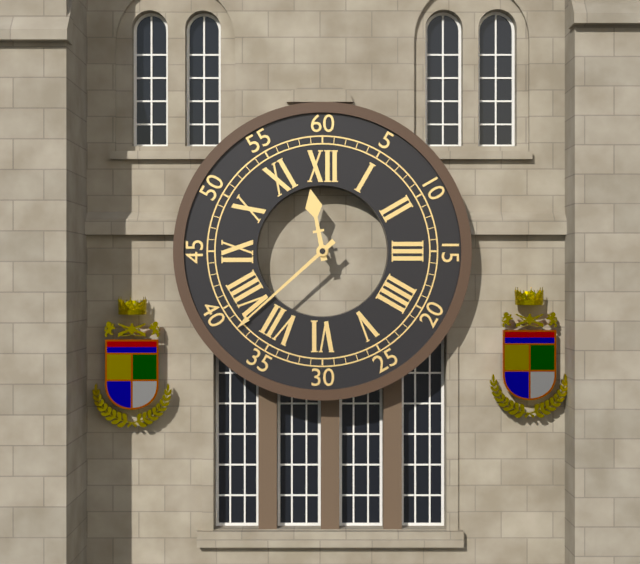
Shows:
11,38
